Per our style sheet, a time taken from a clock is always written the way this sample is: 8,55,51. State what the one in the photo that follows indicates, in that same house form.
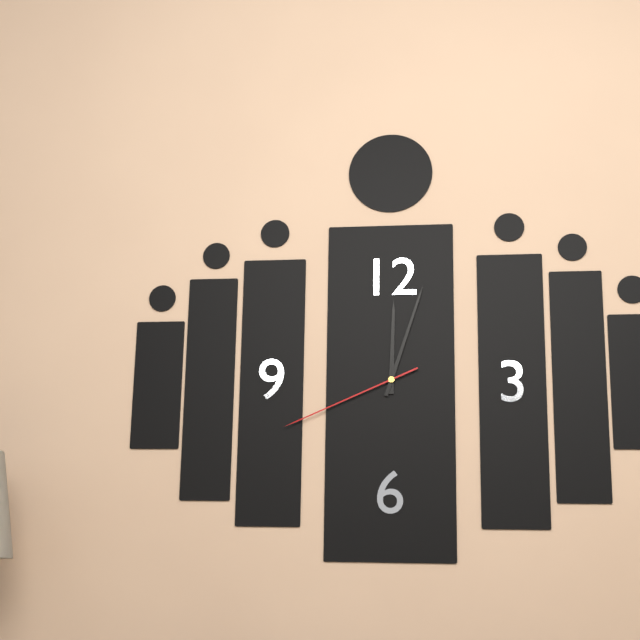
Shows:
12,03,41
